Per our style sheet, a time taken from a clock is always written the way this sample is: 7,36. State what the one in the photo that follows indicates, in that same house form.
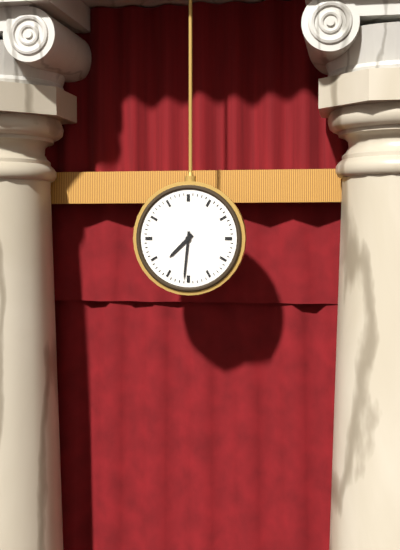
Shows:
7,31
